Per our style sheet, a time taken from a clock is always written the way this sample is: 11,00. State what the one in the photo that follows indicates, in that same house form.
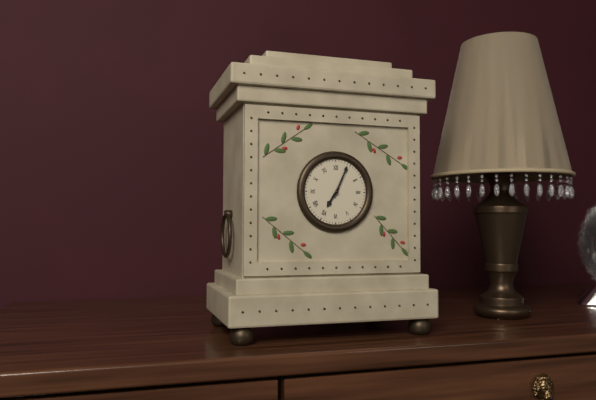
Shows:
7,04
